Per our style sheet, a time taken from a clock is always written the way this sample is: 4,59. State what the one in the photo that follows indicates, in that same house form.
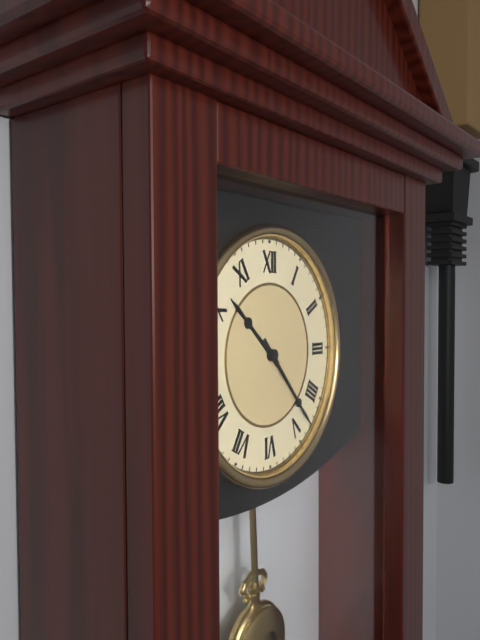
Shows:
10,23
